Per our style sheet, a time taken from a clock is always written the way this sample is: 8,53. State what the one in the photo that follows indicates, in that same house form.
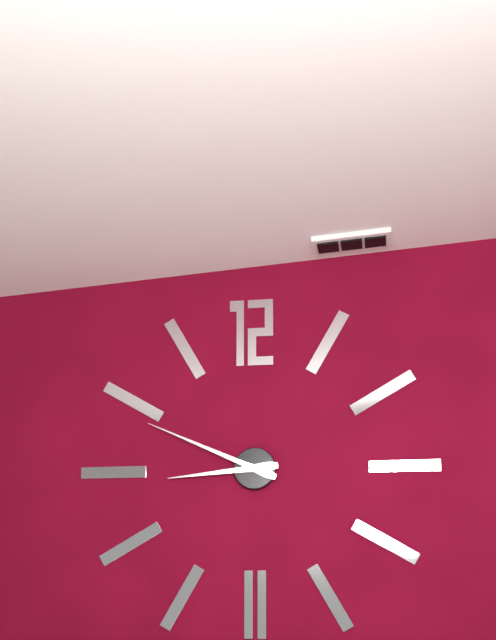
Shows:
8,49
